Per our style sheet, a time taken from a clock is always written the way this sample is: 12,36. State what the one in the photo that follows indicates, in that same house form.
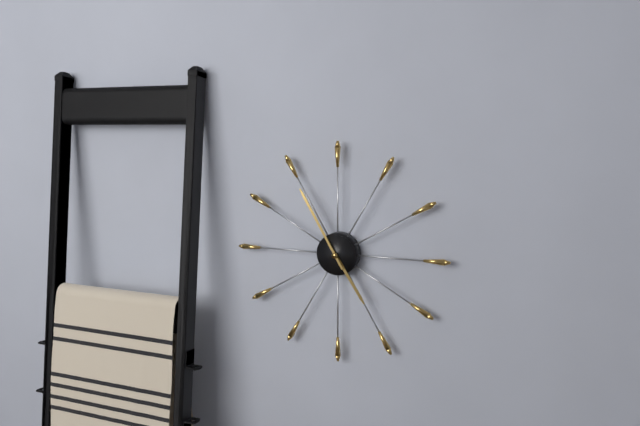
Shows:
4,55
